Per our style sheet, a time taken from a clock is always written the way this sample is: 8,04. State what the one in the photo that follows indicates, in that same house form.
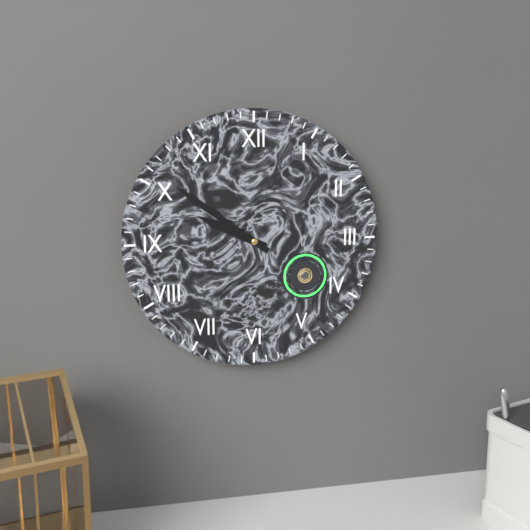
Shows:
9,51
